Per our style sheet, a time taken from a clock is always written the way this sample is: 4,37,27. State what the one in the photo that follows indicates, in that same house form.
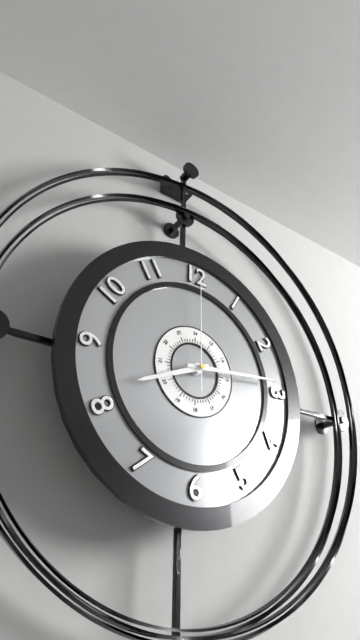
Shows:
8,14,00
